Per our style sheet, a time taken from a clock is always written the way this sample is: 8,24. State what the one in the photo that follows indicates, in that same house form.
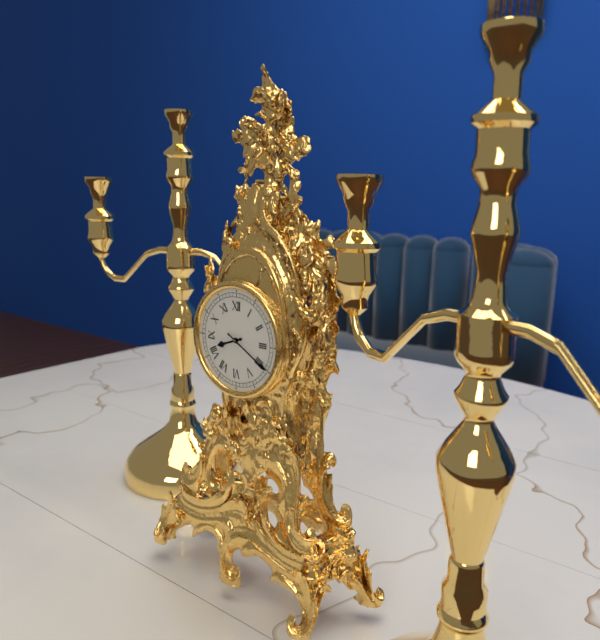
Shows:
8,20
